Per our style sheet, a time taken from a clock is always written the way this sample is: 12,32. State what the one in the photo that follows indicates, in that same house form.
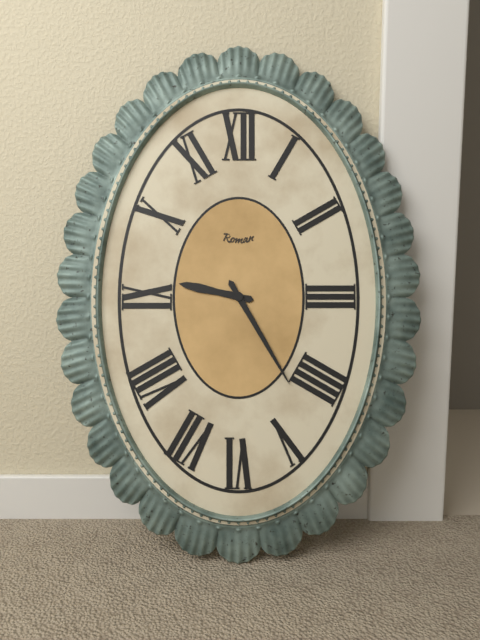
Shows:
9,25
